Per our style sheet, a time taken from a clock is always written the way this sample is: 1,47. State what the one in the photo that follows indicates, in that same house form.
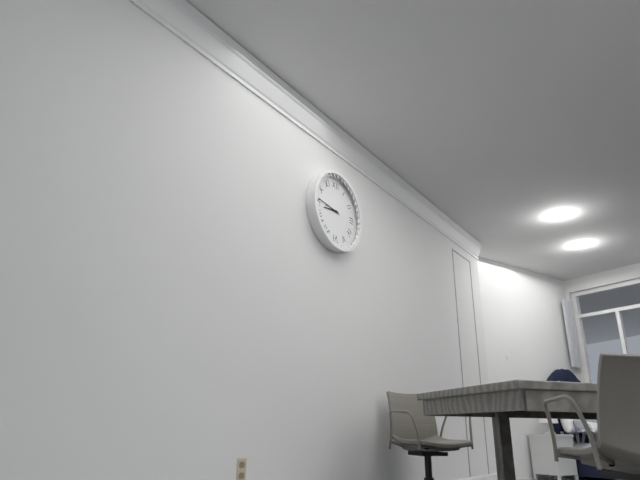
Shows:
8,46
